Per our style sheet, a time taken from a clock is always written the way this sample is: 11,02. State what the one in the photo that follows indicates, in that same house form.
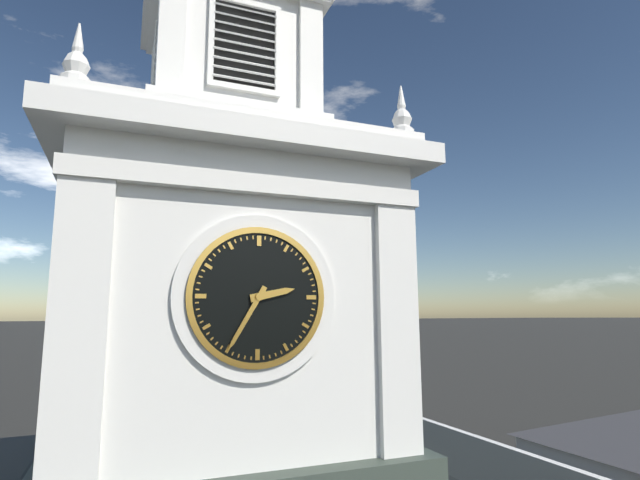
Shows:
2,35
